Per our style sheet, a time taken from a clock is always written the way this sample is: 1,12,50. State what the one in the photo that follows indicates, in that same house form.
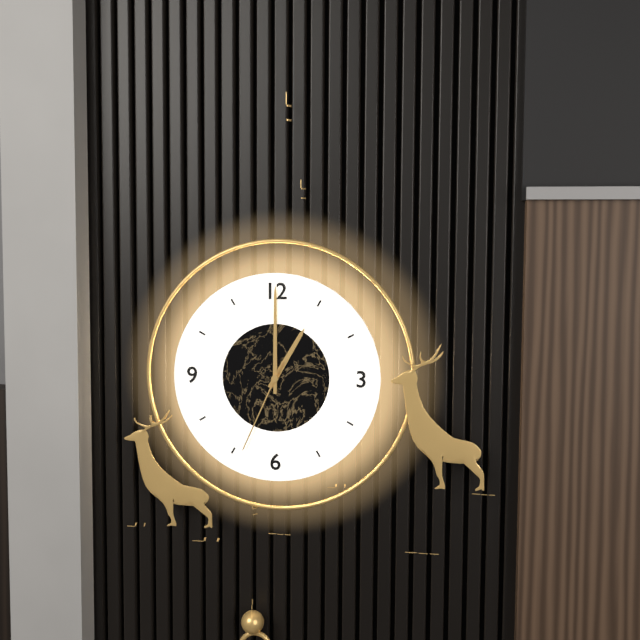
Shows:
1,00,34
